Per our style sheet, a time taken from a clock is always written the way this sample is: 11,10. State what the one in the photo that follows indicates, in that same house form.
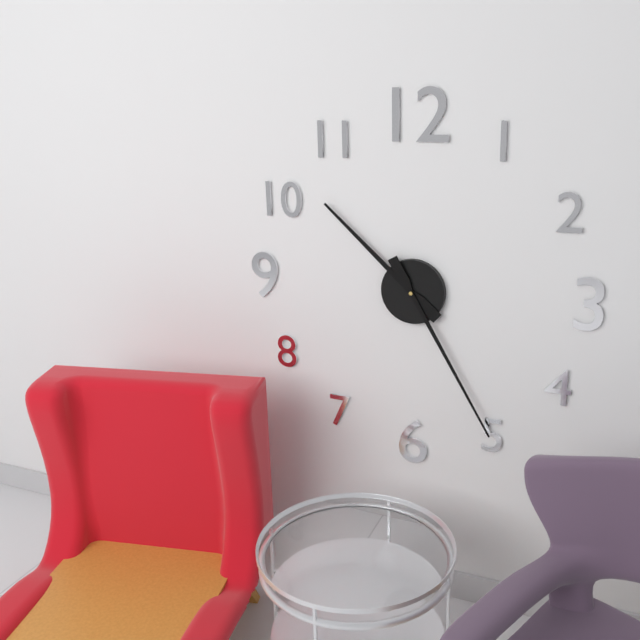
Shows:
10,25
